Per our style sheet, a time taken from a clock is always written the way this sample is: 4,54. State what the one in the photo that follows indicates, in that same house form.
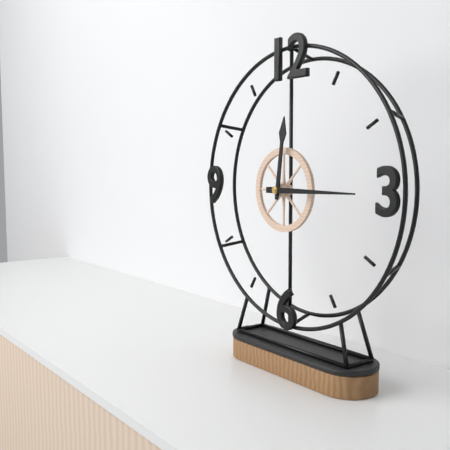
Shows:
12,15
